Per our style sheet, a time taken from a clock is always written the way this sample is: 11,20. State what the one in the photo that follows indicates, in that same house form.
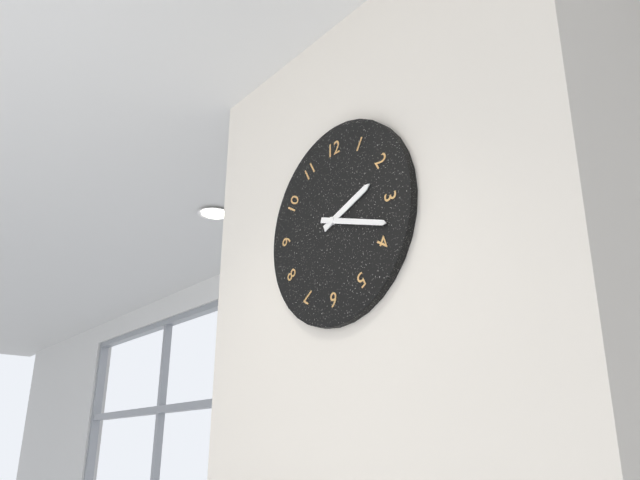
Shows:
2,18
